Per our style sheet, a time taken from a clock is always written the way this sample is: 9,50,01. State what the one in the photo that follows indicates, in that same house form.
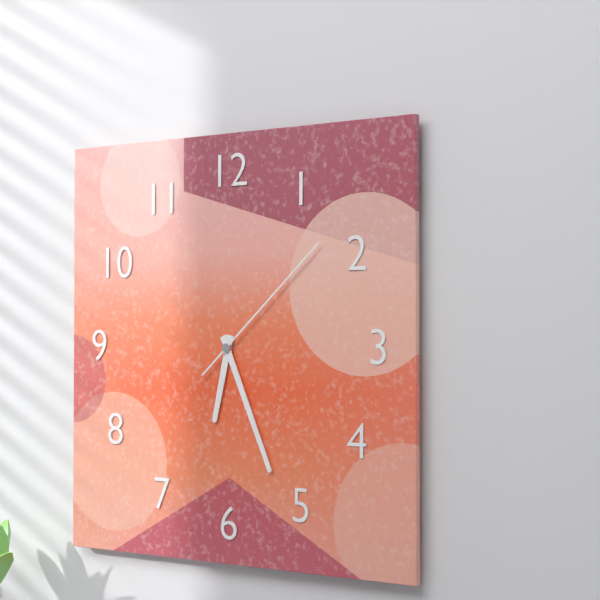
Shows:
6,26,08
